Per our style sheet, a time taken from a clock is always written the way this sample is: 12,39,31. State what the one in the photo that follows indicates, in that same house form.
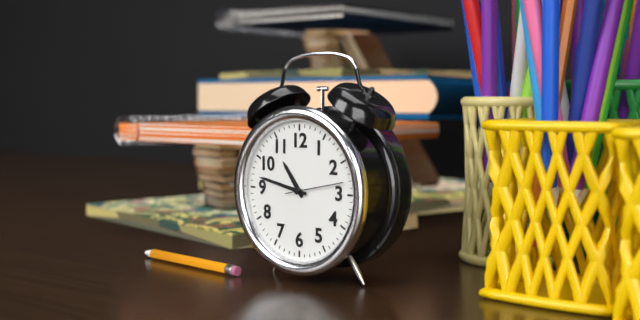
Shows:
10,47,13
